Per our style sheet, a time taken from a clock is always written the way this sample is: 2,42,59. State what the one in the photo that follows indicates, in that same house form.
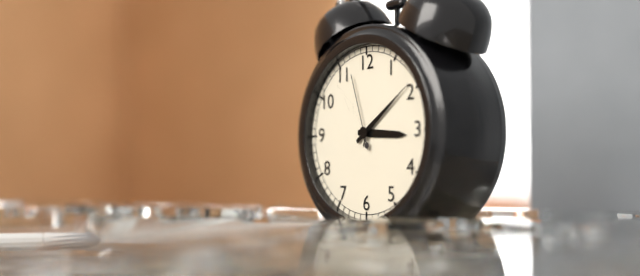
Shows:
3,09,57
